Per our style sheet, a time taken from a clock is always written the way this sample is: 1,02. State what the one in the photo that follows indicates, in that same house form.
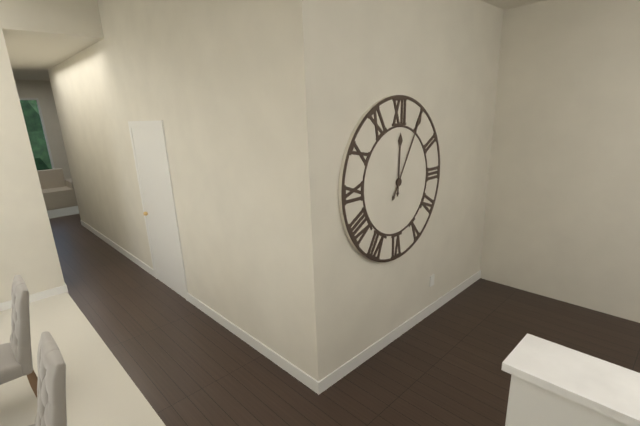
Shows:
12,05
